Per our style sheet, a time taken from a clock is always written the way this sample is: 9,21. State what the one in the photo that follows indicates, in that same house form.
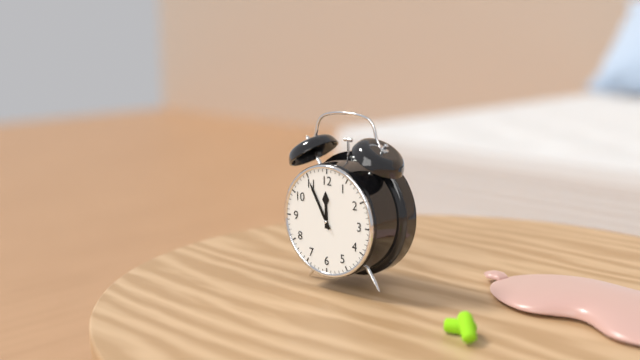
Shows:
11,55
